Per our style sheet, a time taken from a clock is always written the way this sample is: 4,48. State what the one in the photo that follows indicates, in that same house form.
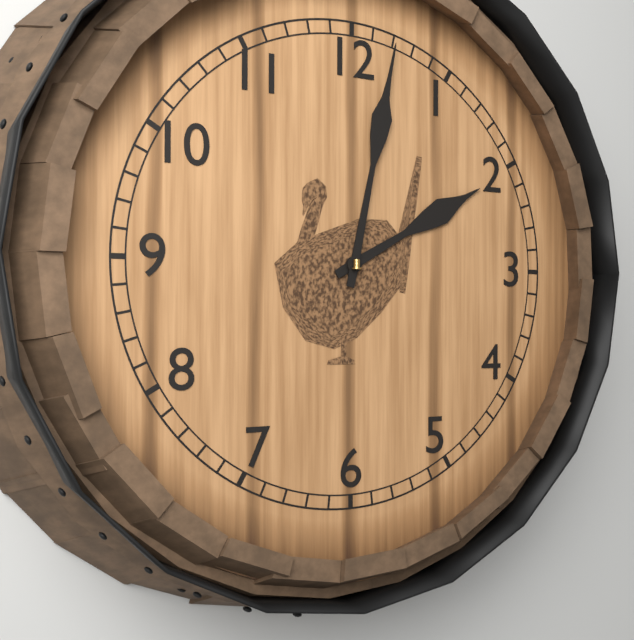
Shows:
2,02
